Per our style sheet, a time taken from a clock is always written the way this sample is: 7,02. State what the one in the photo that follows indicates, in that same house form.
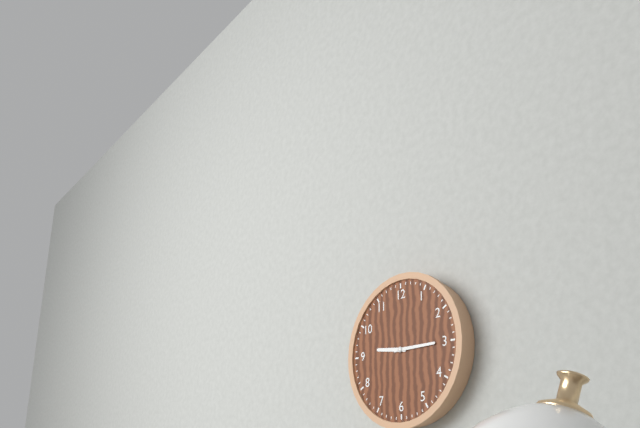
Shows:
9,15
